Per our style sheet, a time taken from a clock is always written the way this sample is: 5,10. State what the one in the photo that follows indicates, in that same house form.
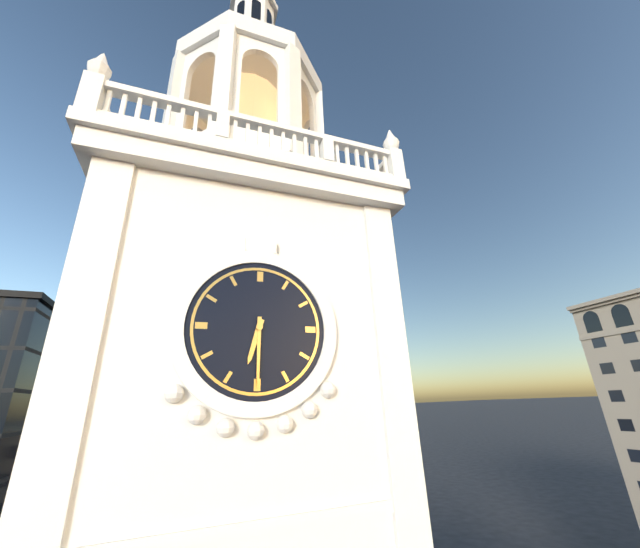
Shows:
6,30
